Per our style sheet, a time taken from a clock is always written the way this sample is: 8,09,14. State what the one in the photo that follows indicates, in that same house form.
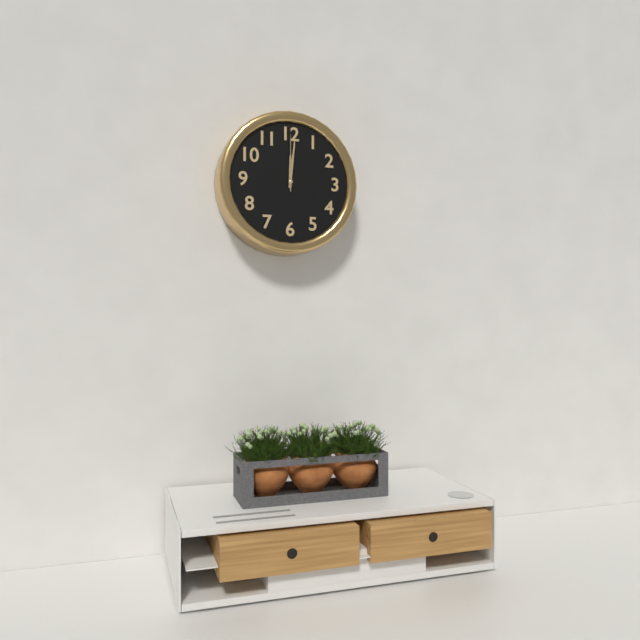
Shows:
12,01,00
